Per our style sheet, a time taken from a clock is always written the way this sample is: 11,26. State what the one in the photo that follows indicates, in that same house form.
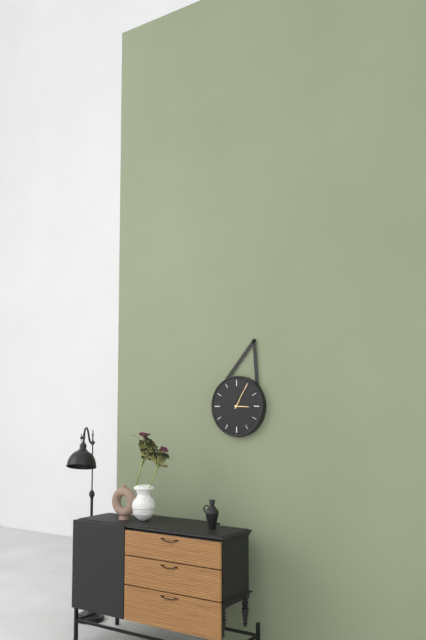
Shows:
3,05
